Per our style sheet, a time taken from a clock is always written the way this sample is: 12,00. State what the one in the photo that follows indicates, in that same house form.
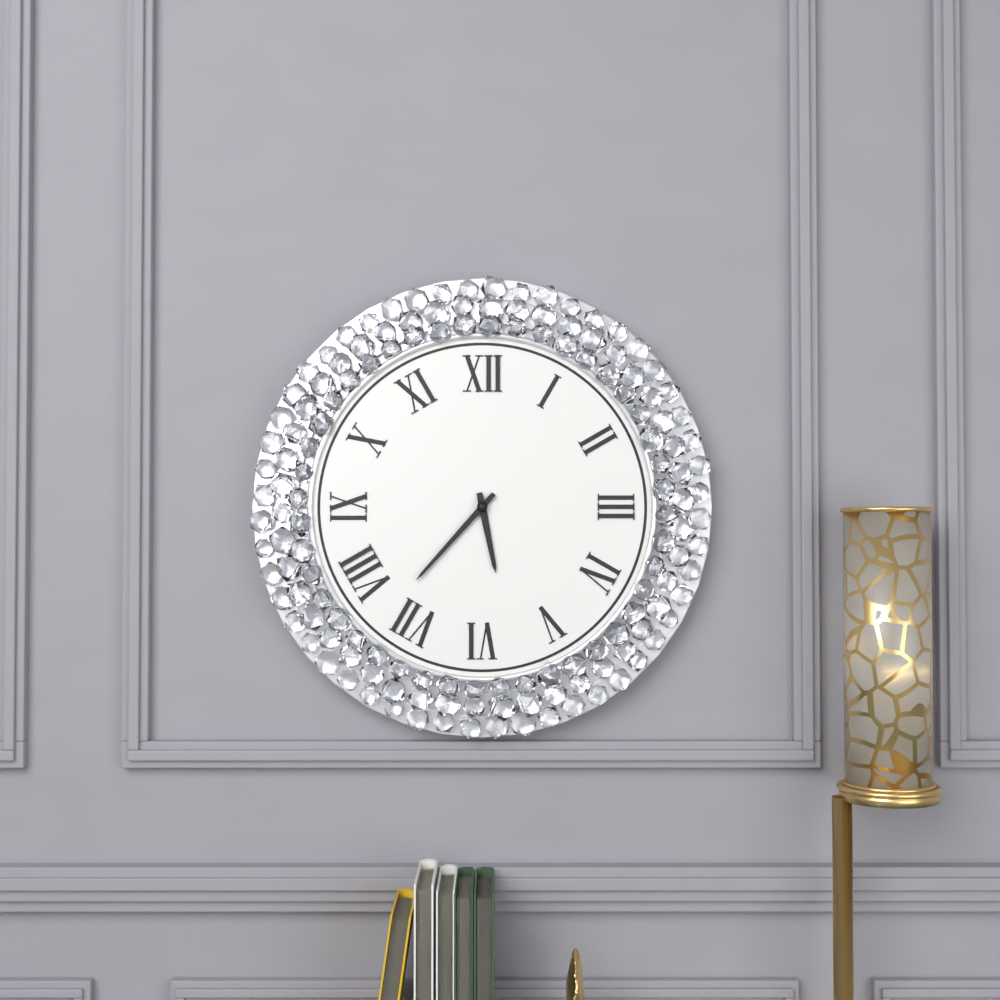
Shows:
5,37
